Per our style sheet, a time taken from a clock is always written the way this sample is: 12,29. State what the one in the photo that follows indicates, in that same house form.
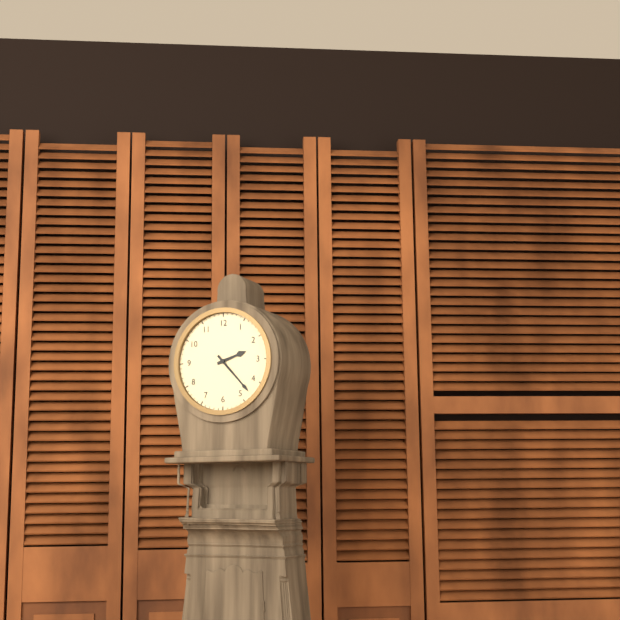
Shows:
2,23
